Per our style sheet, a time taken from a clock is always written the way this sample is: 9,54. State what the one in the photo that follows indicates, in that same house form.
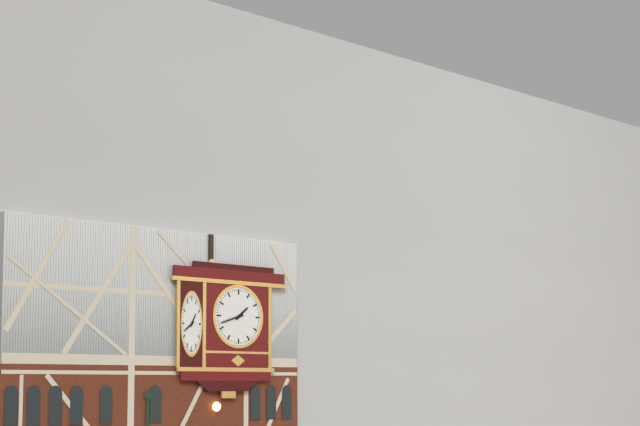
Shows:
1,42
